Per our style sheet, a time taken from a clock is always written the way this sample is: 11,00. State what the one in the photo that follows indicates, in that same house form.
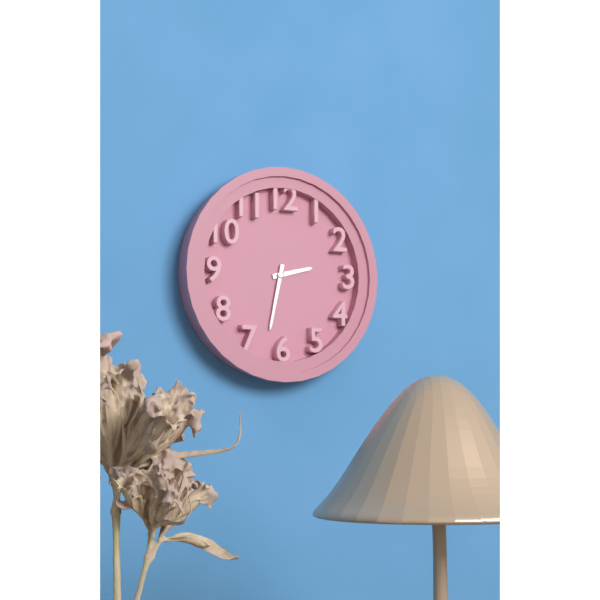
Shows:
2,32
